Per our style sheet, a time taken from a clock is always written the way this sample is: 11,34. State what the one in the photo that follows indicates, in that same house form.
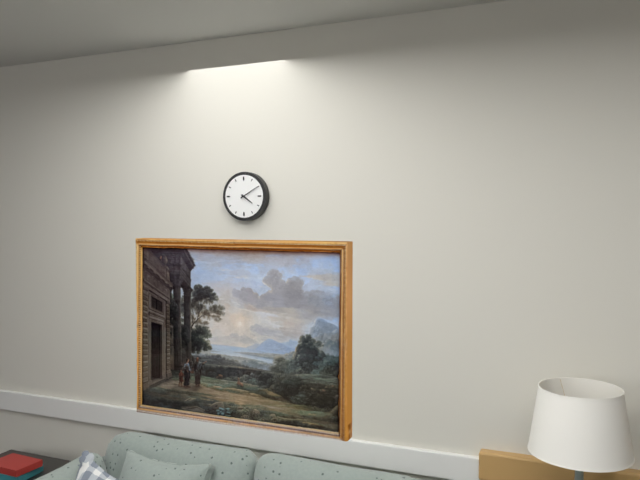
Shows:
4,10
